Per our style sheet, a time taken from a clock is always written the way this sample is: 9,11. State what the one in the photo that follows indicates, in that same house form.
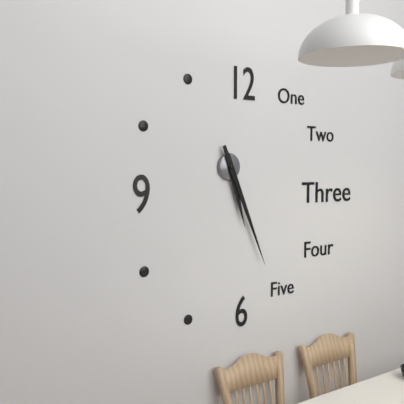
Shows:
5,26
